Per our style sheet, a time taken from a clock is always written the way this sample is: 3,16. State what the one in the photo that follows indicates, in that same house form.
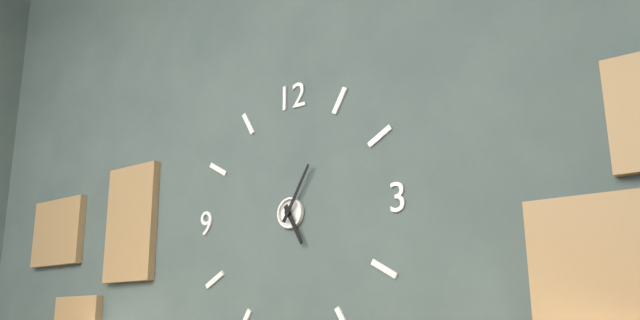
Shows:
5,05
